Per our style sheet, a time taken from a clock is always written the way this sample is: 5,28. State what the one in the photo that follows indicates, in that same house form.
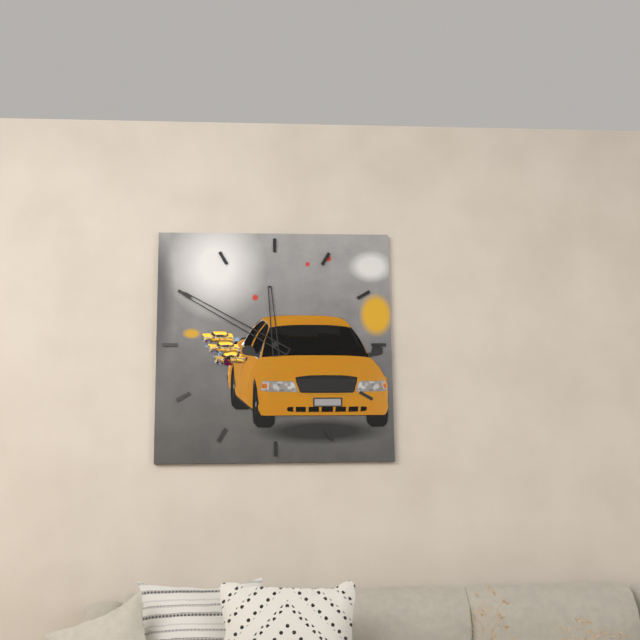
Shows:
11,50
